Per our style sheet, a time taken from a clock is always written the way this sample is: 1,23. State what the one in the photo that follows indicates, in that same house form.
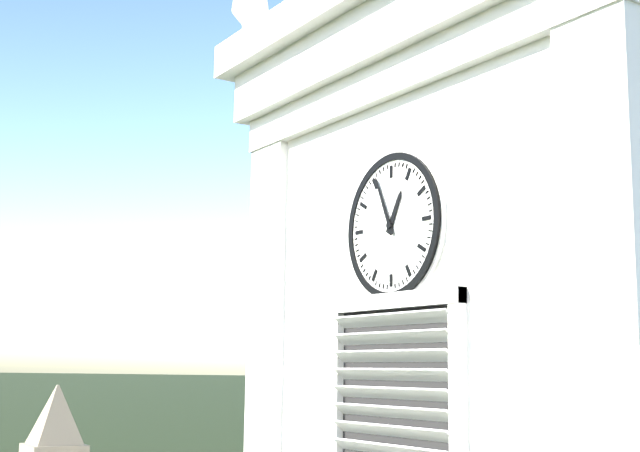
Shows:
12,56
